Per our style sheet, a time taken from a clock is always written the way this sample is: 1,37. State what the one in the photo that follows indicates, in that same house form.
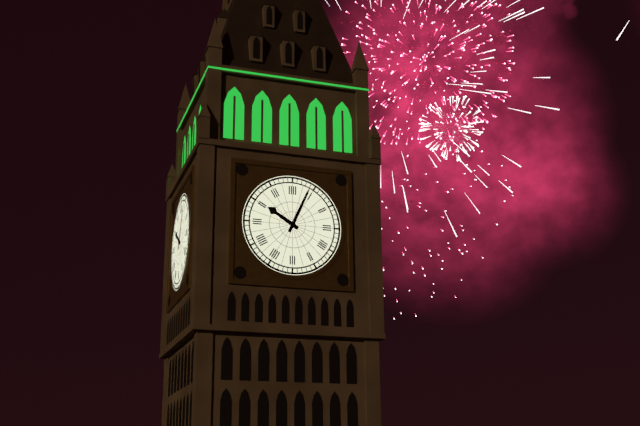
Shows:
10,04
